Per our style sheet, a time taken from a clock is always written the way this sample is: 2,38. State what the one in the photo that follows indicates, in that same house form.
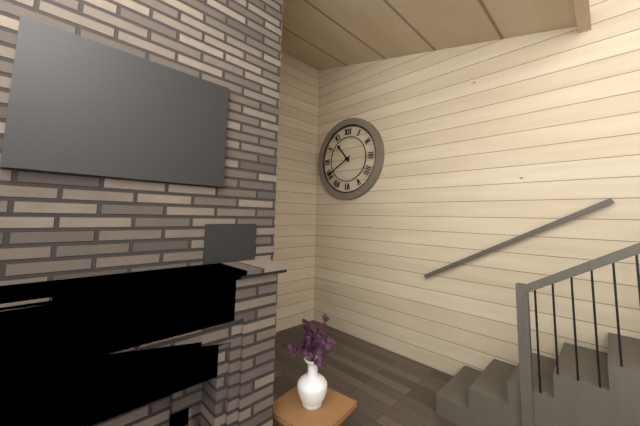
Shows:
10,40
